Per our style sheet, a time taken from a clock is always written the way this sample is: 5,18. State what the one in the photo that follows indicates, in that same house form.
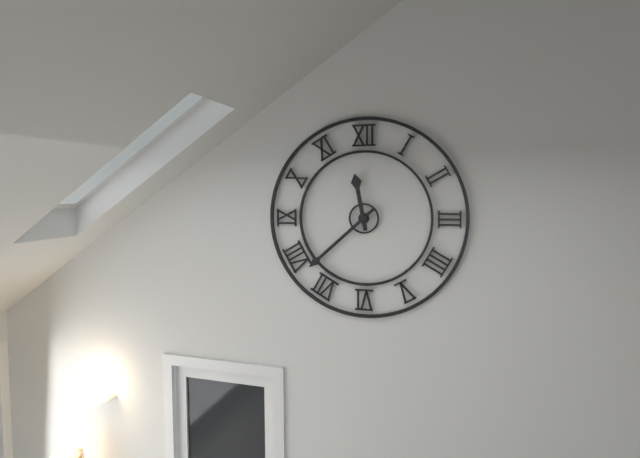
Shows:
11,38
